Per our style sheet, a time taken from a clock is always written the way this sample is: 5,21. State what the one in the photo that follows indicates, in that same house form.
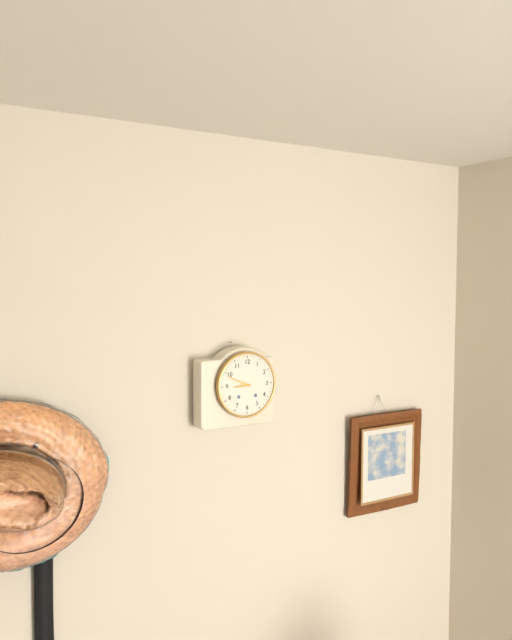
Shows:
8,49
